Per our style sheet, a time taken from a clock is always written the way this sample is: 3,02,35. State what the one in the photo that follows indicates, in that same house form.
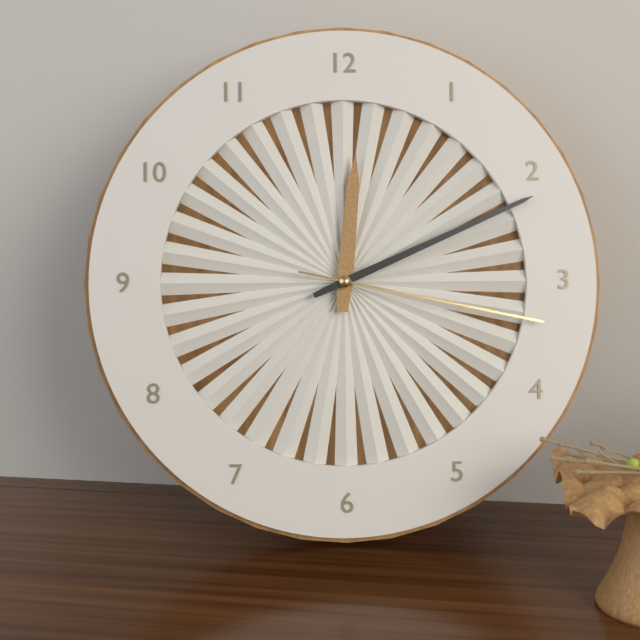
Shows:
12,11,17
